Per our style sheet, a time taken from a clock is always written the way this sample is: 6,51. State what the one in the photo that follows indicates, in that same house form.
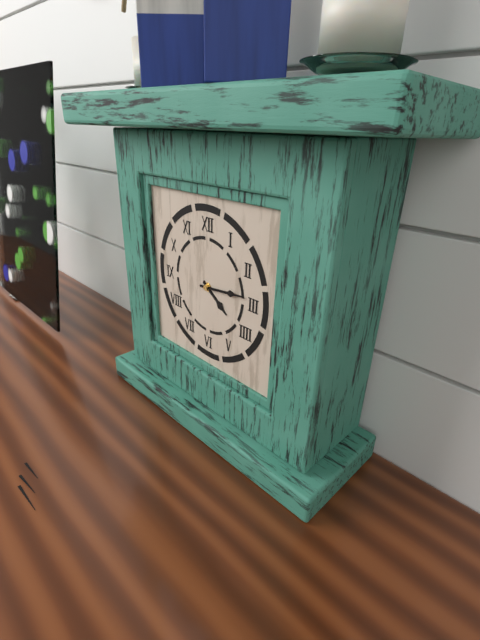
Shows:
4,14
